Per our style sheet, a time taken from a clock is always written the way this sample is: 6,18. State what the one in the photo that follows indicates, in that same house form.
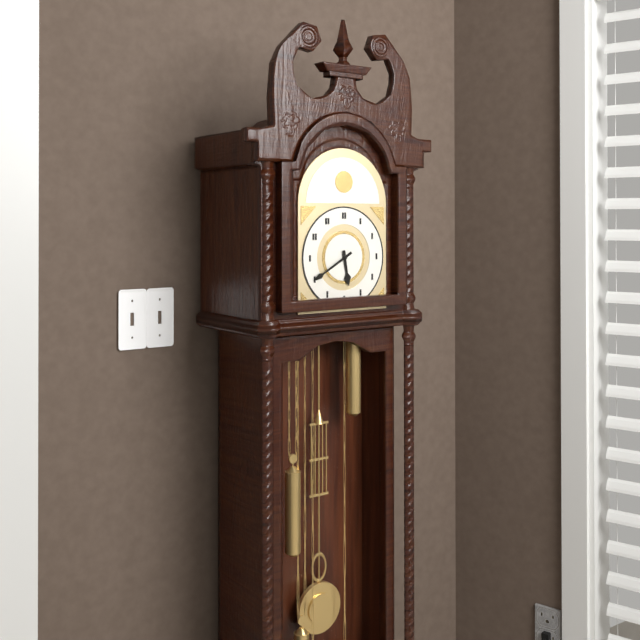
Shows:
5,40
